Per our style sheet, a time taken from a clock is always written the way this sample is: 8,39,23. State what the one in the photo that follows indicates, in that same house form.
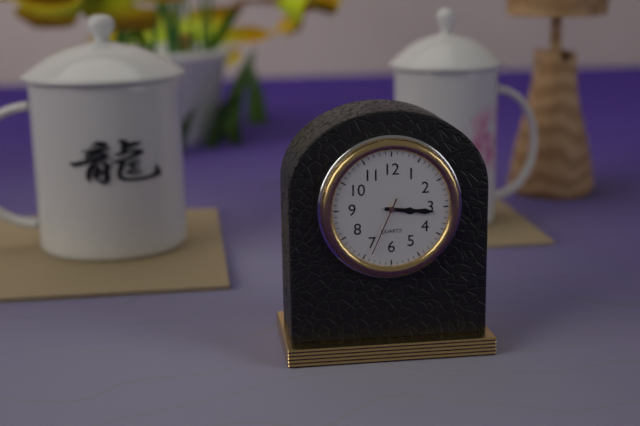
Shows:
3,16,34
